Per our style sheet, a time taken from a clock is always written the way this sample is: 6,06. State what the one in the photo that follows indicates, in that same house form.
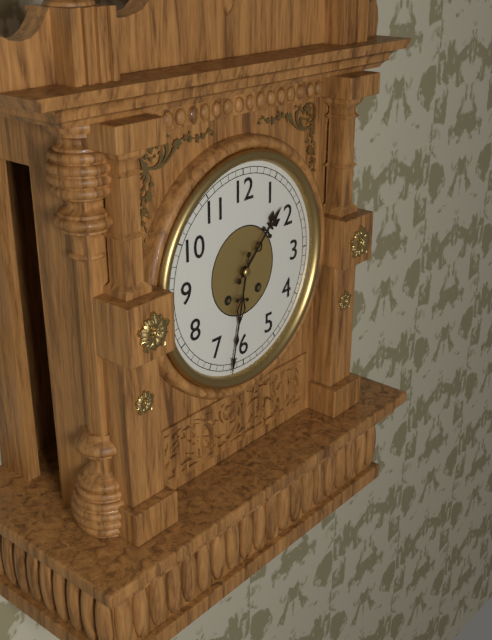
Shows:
1,32
